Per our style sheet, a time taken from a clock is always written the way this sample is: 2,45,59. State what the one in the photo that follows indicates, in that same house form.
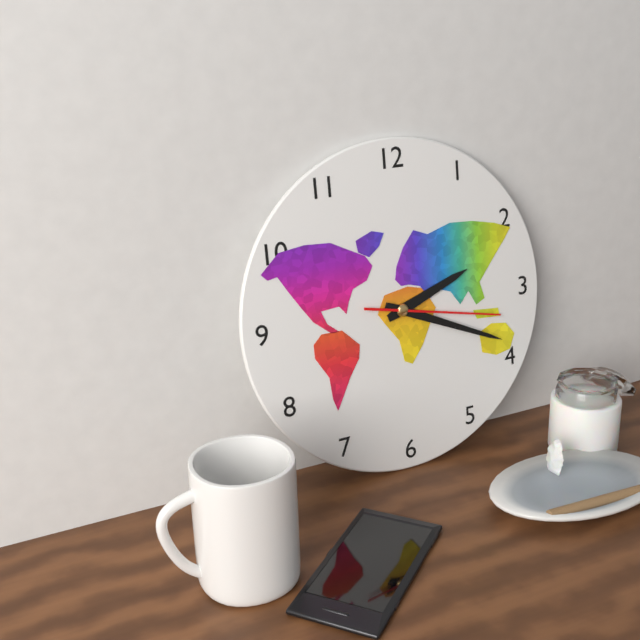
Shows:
2,19,17
